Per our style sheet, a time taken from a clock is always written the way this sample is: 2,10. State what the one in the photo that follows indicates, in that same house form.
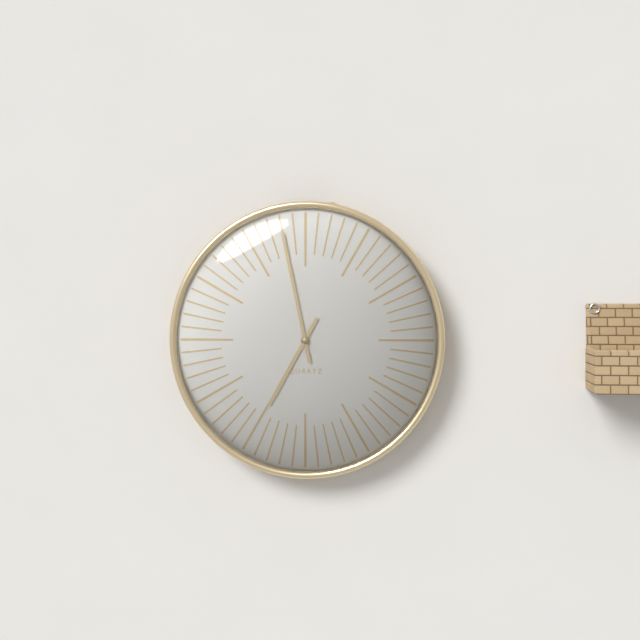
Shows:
6,58
